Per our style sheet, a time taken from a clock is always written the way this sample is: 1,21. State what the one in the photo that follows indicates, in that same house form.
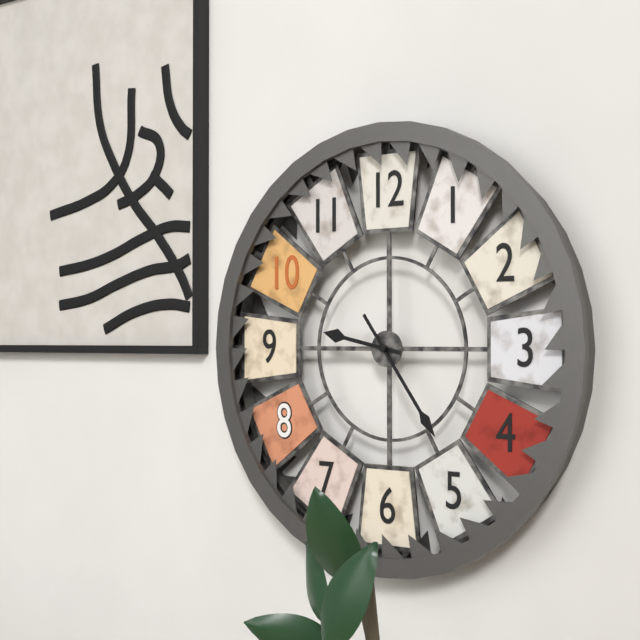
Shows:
9,24
